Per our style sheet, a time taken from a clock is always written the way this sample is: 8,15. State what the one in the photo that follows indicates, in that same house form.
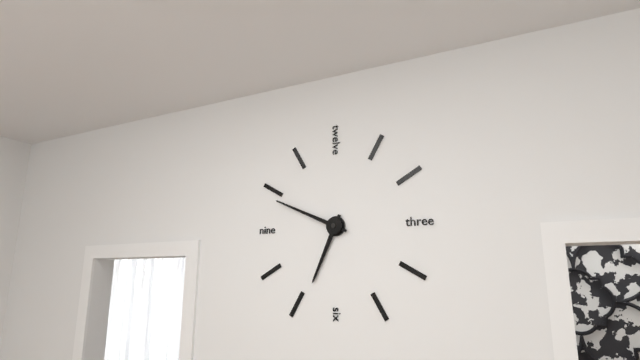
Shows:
6,49
